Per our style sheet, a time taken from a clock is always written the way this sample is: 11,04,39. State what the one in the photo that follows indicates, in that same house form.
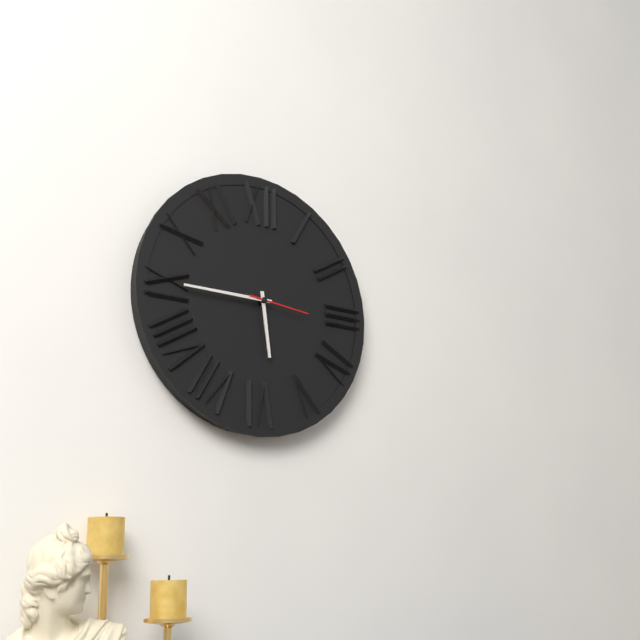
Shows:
5,45,16
